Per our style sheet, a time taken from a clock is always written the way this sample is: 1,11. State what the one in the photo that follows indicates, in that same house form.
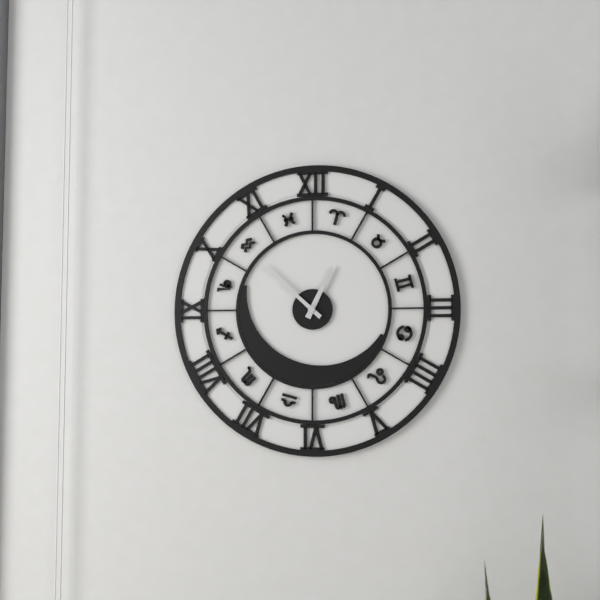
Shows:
12,52
